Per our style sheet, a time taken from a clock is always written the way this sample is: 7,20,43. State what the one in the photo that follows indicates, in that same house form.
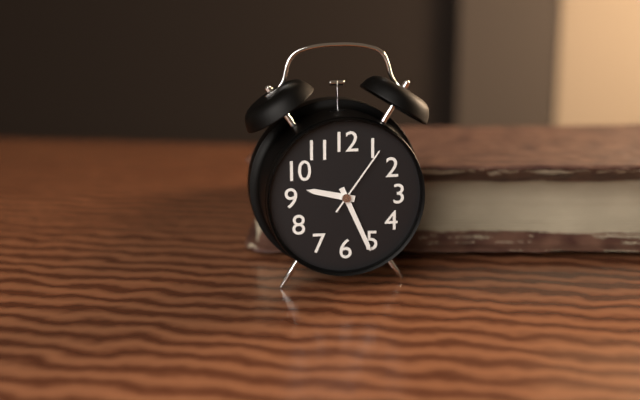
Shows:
9,26,06
